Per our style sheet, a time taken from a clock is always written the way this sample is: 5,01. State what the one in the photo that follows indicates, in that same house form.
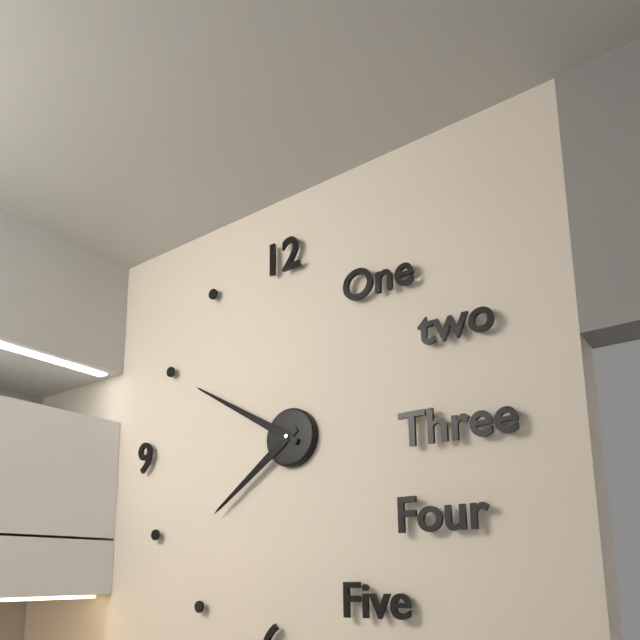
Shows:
7,50
